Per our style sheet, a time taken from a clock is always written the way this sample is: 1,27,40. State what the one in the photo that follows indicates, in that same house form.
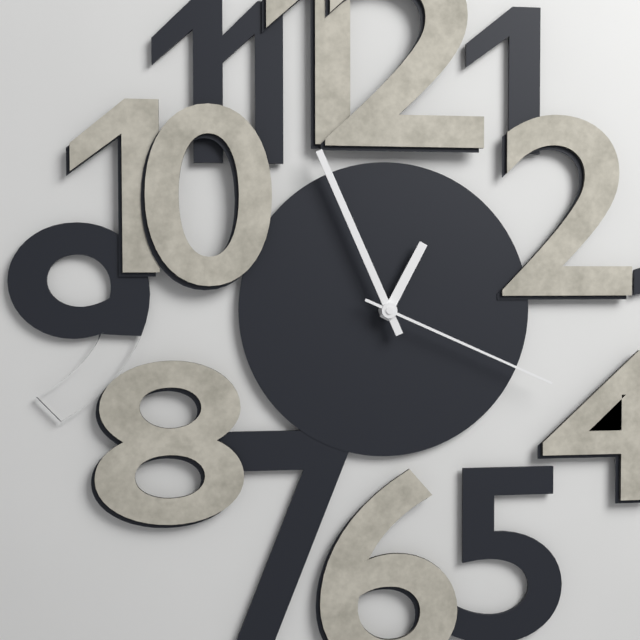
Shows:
12,56,19
